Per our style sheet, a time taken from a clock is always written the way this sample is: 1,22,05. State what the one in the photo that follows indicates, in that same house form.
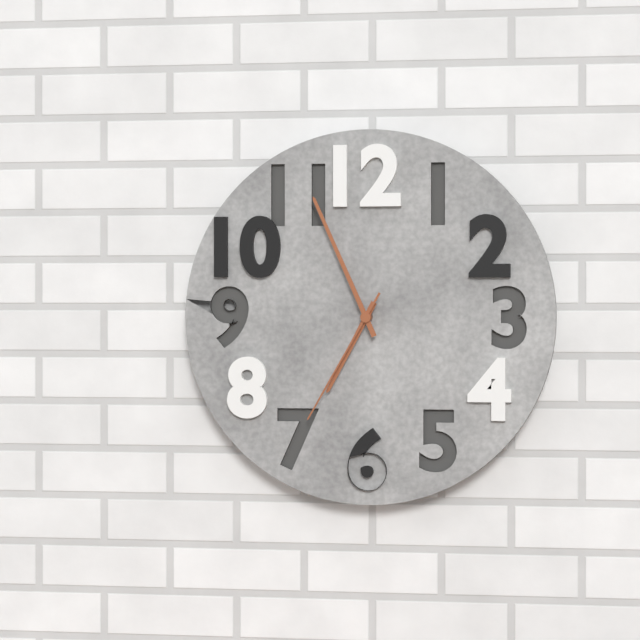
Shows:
6,56,35
